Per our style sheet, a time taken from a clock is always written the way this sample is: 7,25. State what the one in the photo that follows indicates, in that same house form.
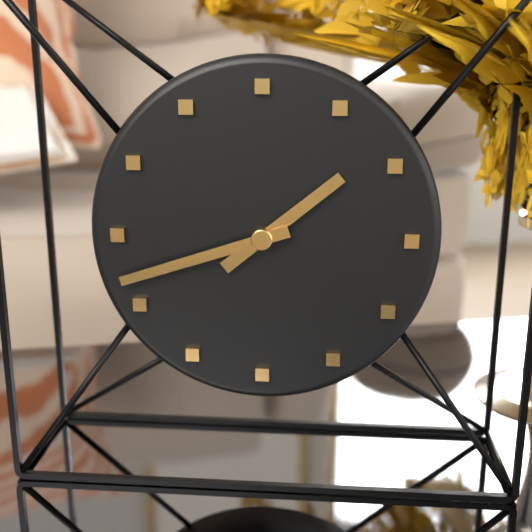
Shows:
1,42
